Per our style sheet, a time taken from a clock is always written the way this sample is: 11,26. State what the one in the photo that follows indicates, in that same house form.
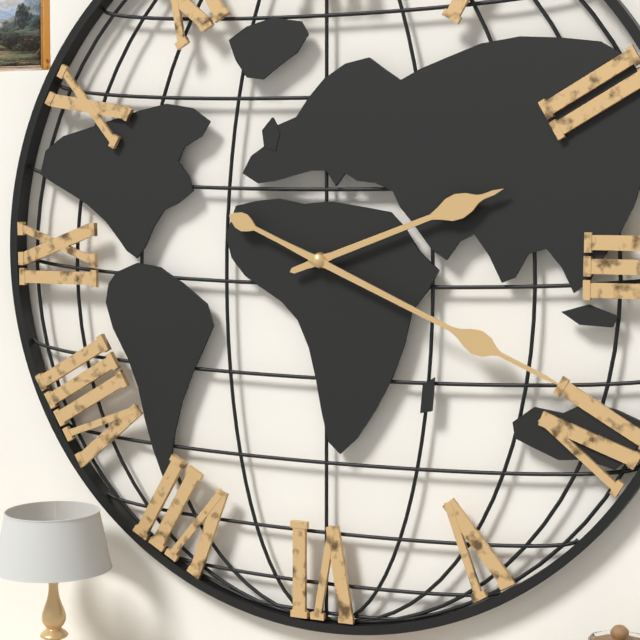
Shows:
2,19
